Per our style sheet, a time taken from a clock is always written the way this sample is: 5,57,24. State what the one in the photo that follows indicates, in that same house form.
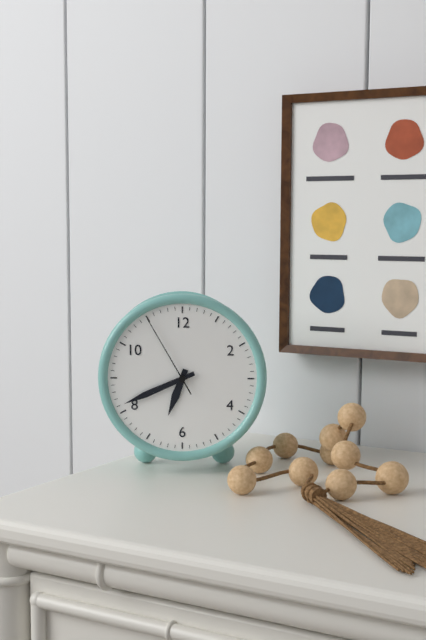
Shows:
6,41,55
